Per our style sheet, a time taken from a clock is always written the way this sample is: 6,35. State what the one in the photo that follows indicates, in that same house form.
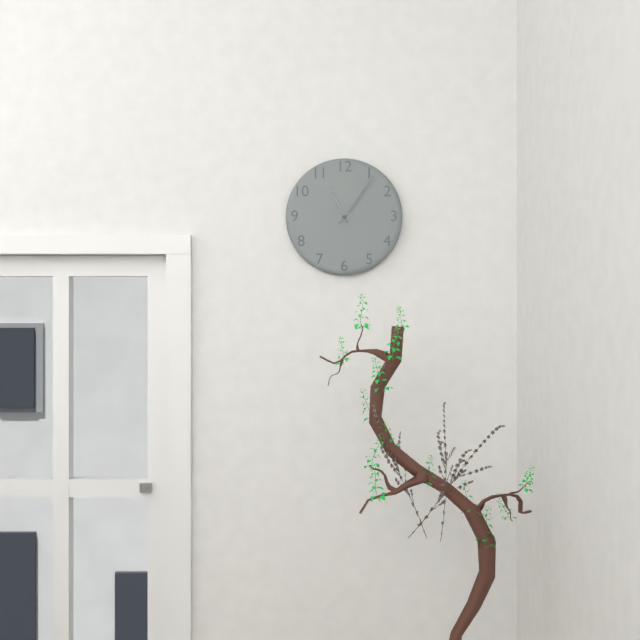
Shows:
11,06
